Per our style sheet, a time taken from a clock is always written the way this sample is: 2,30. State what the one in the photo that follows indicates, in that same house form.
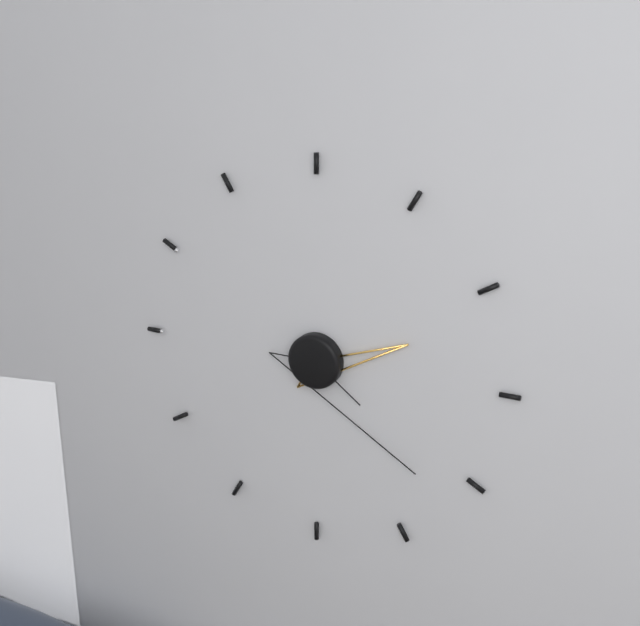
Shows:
2,22
